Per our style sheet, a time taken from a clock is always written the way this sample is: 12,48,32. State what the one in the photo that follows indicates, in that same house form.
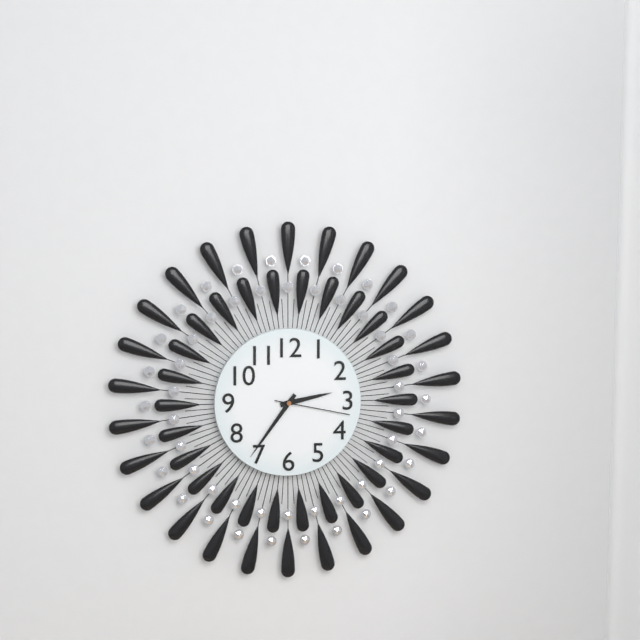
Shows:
2,36,17
